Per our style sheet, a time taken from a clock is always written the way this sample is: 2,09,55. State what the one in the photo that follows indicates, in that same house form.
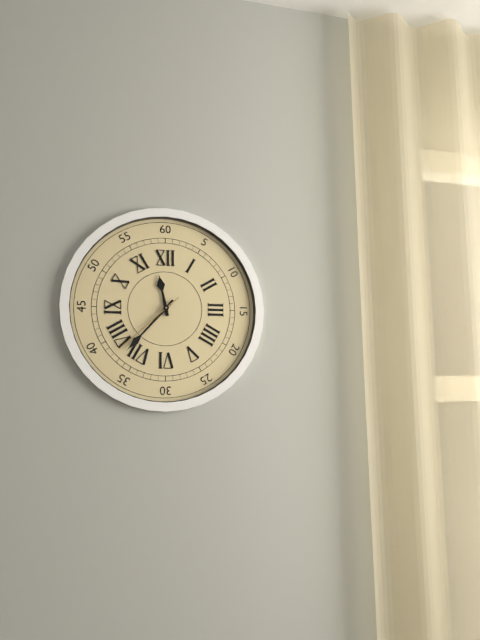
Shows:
11,37,38
